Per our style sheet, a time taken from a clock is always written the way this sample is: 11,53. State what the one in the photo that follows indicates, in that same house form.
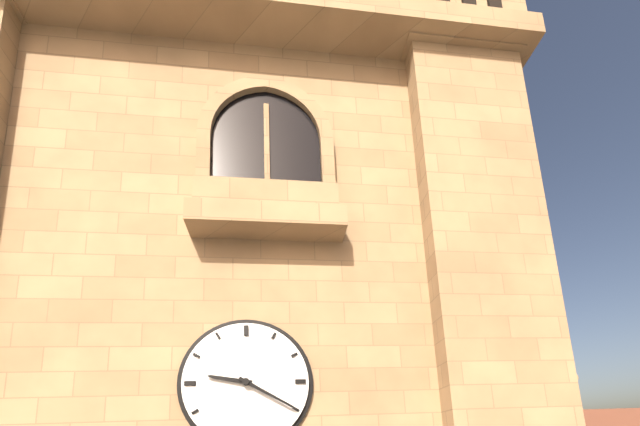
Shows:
9,20
